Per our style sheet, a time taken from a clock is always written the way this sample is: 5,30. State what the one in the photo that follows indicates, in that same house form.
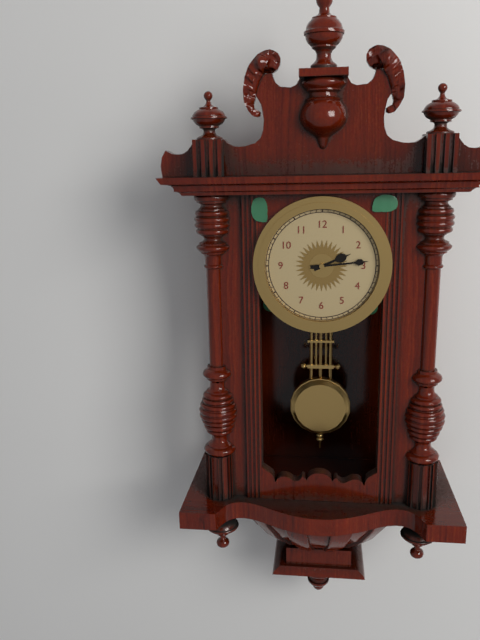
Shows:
2,14
